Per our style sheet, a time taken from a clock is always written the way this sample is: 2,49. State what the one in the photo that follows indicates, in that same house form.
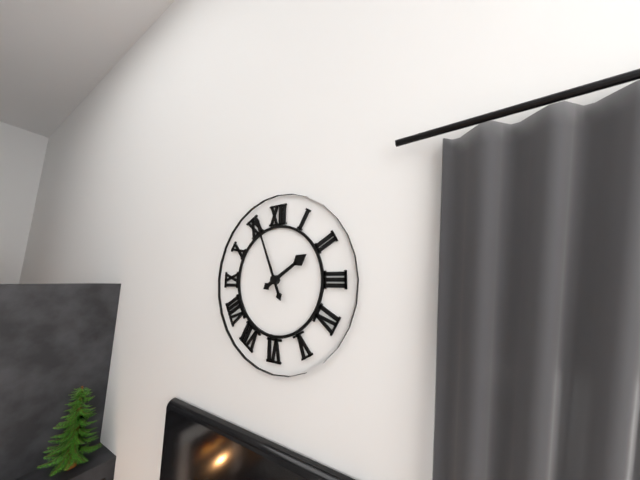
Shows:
1,56
